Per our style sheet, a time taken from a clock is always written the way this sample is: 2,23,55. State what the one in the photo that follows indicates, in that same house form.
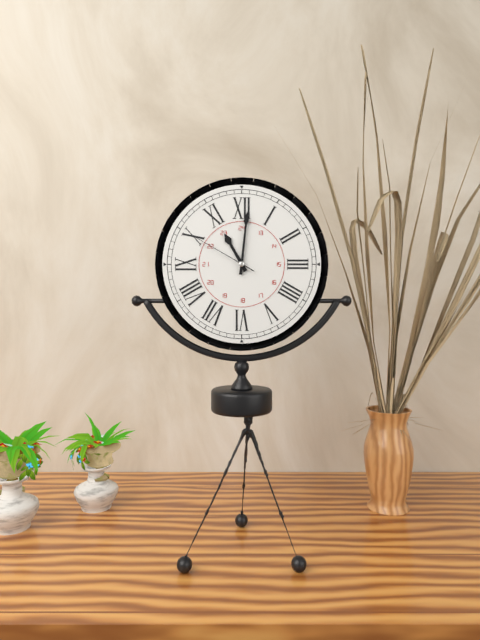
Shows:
11,01,50
